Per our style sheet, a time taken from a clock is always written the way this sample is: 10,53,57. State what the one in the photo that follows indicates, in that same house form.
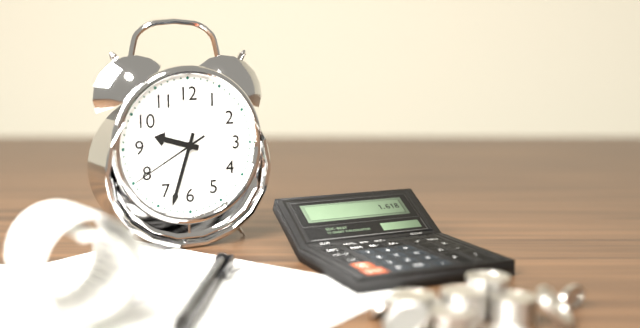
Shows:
9,33,40
